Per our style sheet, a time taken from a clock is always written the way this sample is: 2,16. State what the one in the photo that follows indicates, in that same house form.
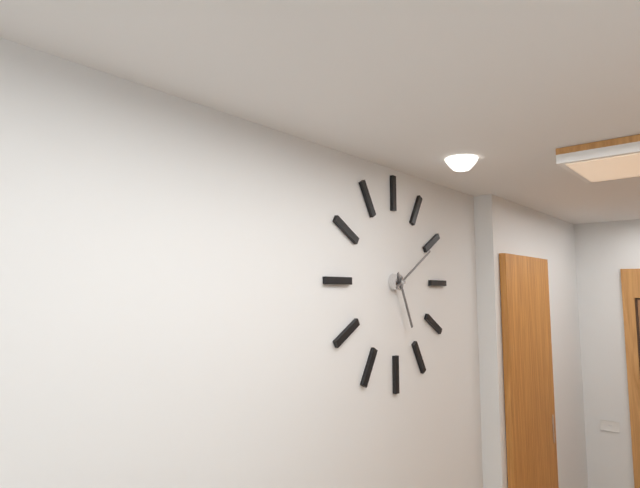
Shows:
5,10
